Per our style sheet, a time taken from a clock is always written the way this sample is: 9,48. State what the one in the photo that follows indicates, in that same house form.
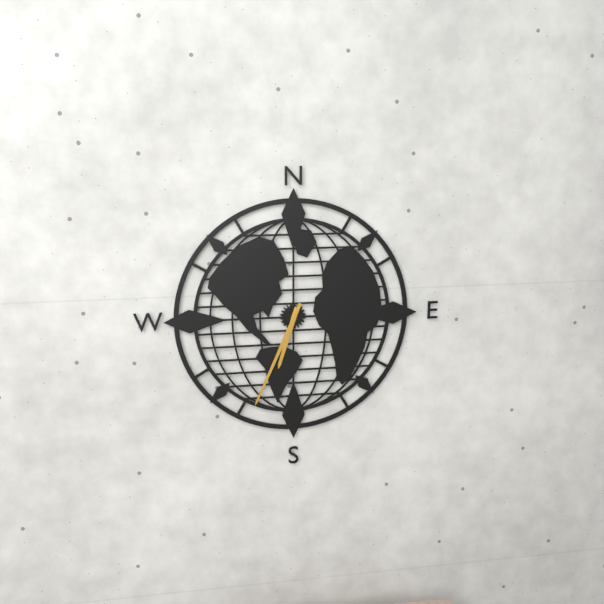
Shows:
6,34
